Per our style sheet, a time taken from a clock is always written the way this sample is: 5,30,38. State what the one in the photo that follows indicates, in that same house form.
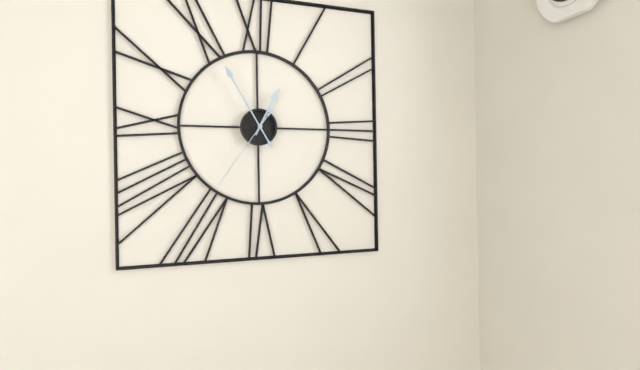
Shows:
12,55,36
